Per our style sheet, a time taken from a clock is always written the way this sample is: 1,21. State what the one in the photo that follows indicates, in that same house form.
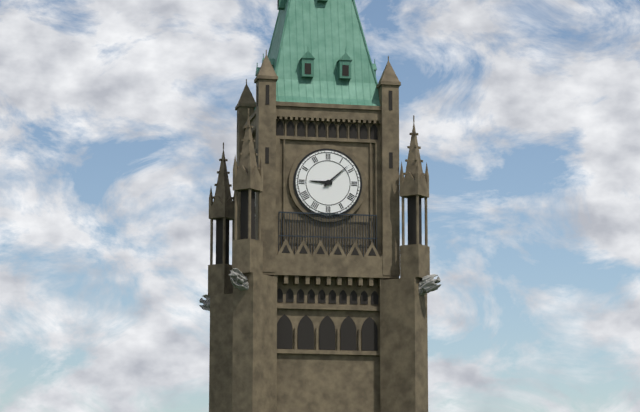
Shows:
9,08
